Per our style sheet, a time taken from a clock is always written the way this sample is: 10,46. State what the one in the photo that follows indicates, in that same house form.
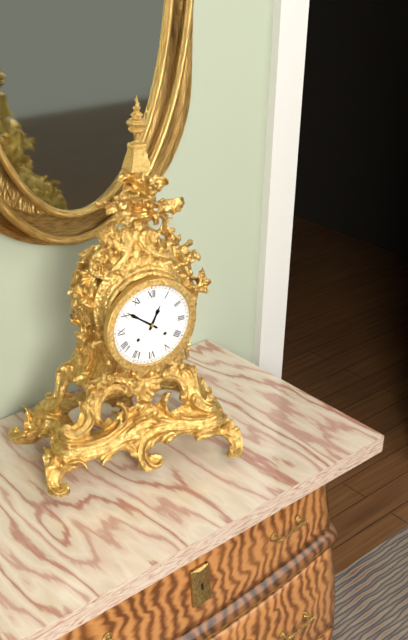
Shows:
12,51
